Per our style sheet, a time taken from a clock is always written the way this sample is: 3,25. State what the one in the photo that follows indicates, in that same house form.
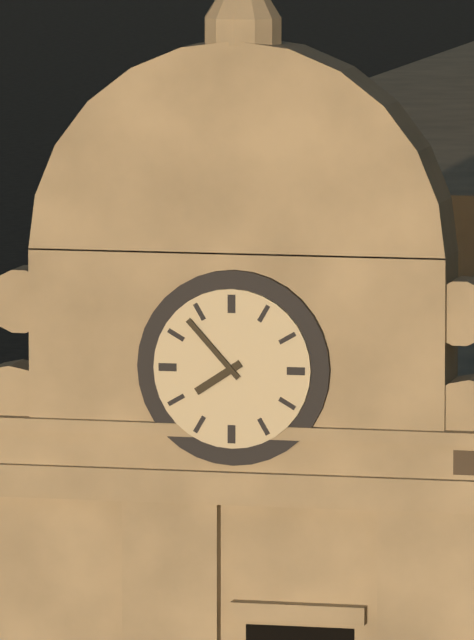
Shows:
7,53
